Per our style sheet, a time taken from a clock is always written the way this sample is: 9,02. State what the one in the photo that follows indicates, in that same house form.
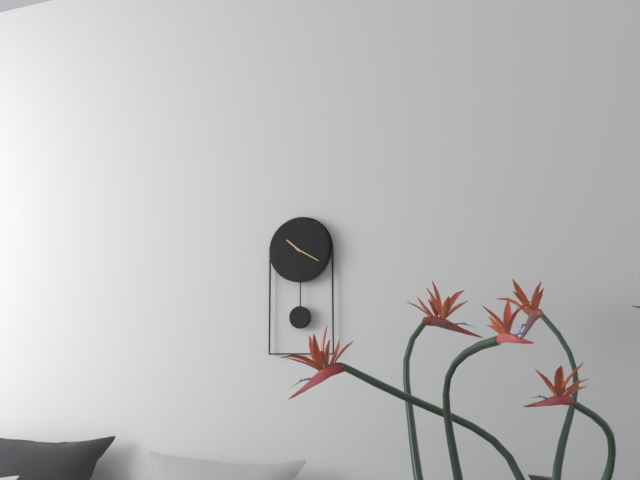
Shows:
10,20
